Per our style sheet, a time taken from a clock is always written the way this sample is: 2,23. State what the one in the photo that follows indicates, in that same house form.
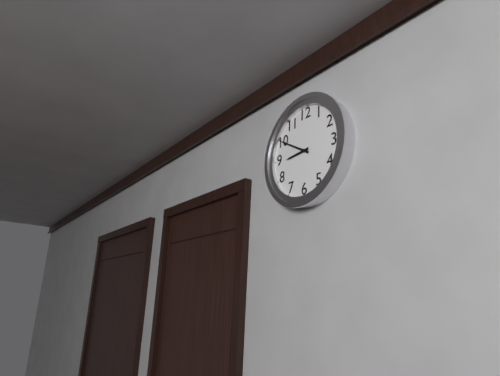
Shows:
8,50
